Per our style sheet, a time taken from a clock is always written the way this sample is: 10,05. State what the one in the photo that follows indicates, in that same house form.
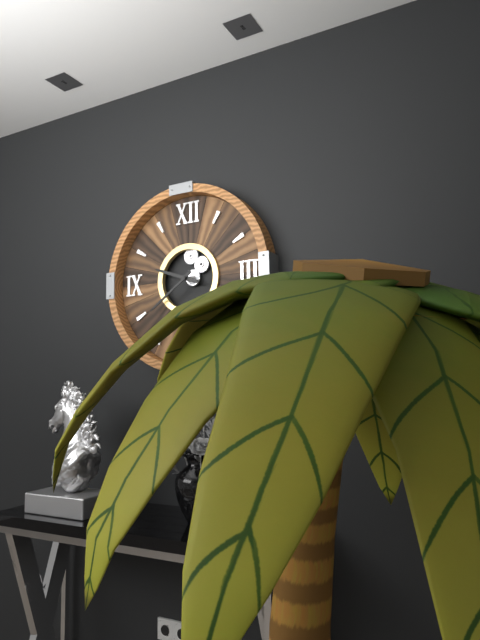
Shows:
9,39
